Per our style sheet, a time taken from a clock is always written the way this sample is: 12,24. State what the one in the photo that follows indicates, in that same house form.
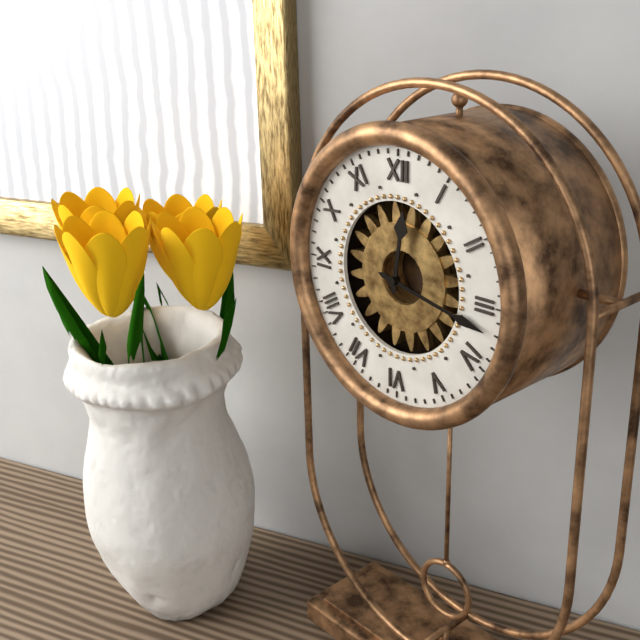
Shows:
12,17
